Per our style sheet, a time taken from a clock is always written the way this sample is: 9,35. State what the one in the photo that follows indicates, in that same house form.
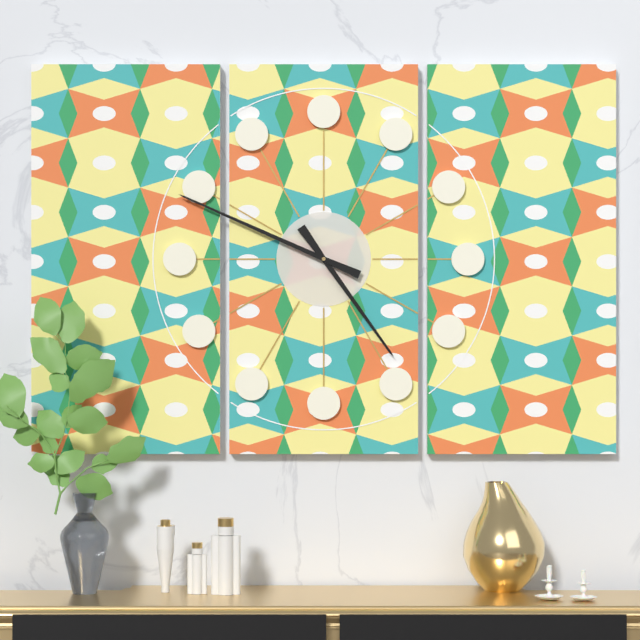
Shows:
4,49
